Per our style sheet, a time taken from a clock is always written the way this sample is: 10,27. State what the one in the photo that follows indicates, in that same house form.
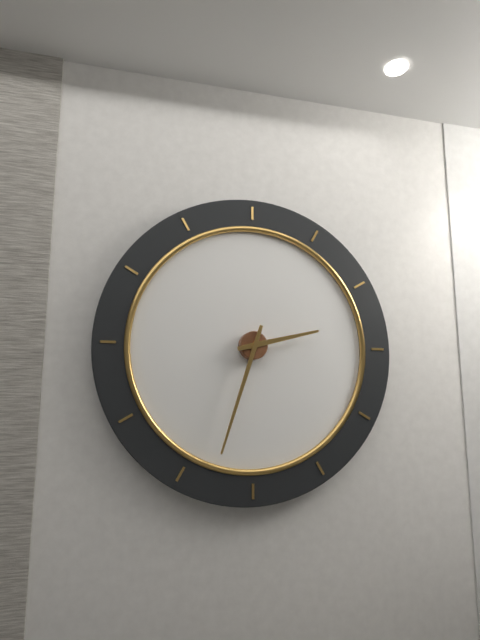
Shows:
2,33
